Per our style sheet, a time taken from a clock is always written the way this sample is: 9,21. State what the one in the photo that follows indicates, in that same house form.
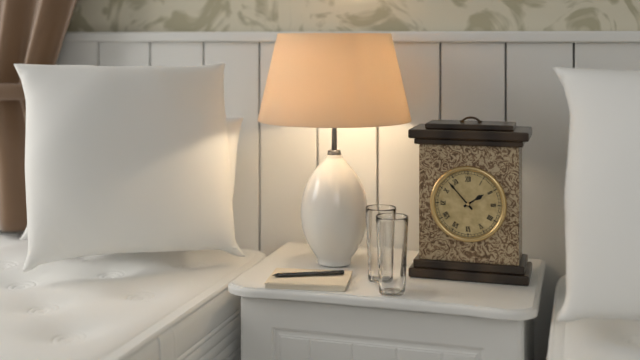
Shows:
1,53
